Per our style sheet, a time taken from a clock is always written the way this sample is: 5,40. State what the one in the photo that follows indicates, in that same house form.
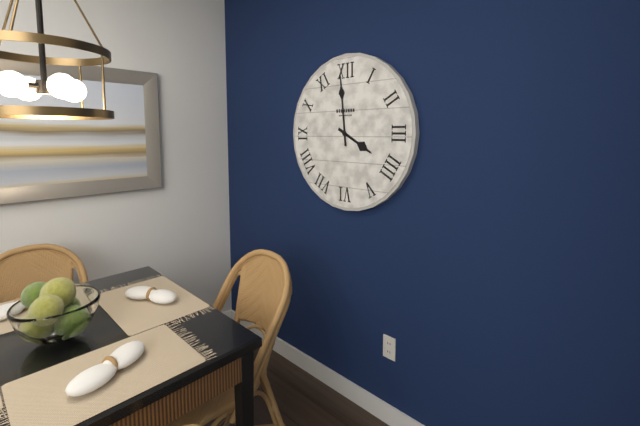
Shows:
3,59
